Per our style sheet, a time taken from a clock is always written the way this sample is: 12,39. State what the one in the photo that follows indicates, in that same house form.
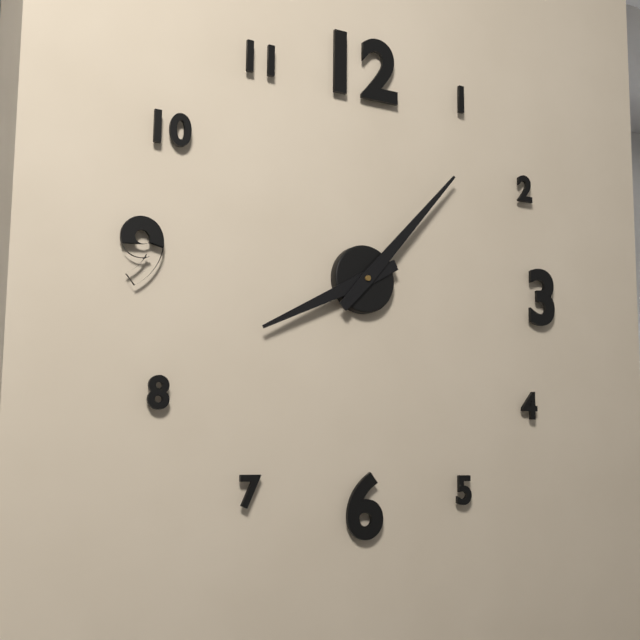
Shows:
8,07
